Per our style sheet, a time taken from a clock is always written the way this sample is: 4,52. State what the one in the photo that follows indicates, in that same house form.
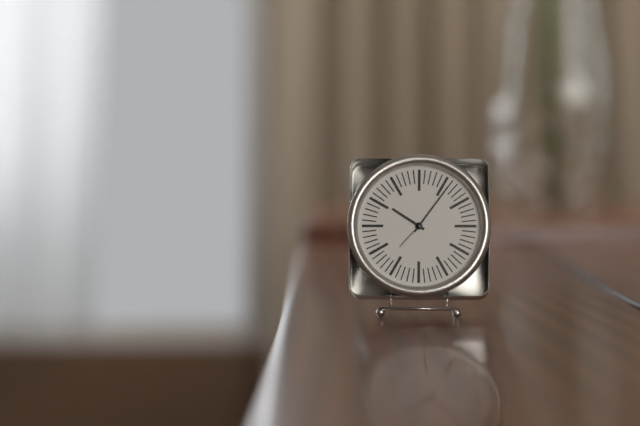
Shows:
10,06
